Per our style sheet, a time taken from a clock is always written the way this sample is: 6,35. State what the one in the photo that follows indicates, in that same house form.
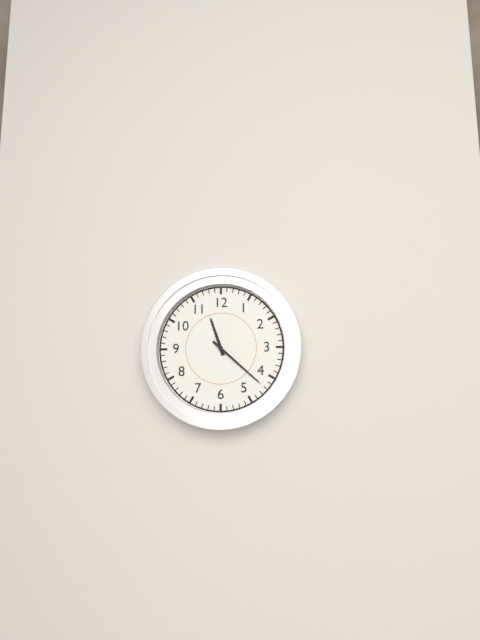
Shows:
11,22
